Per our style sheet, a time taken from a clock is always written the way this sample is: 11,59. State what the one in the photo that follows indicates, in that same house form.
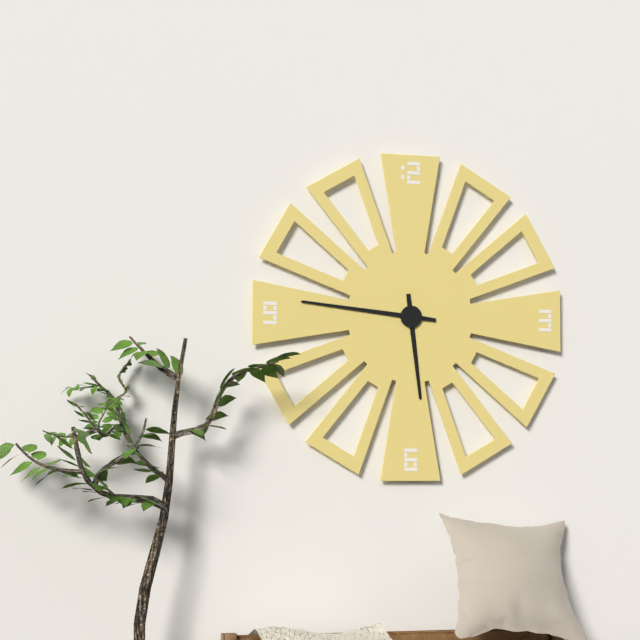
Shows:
5,46
